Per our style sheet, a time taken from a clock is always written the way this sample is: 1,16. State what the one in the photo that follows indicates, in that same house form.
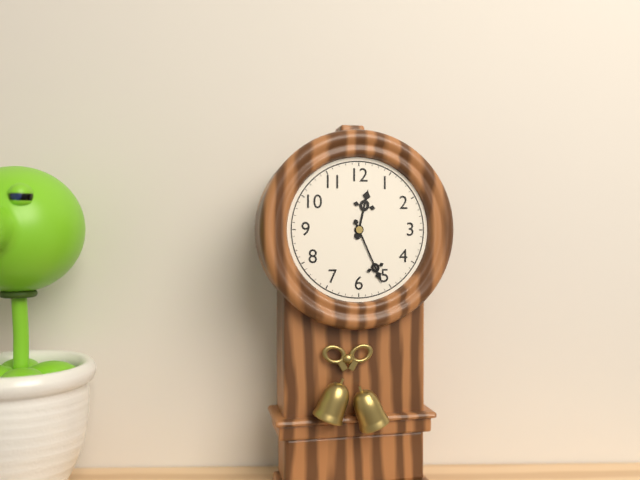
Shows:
12,26
